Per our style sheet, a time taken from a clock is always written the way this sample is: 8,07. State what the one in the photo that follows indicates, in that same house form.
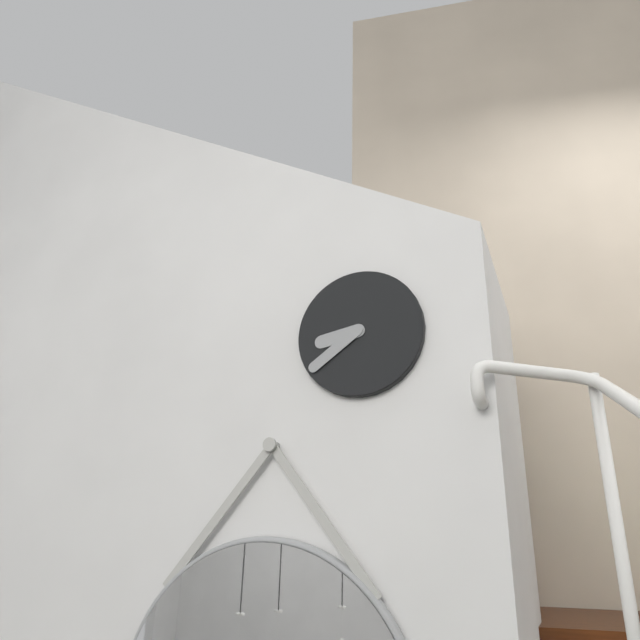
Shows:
8,39
